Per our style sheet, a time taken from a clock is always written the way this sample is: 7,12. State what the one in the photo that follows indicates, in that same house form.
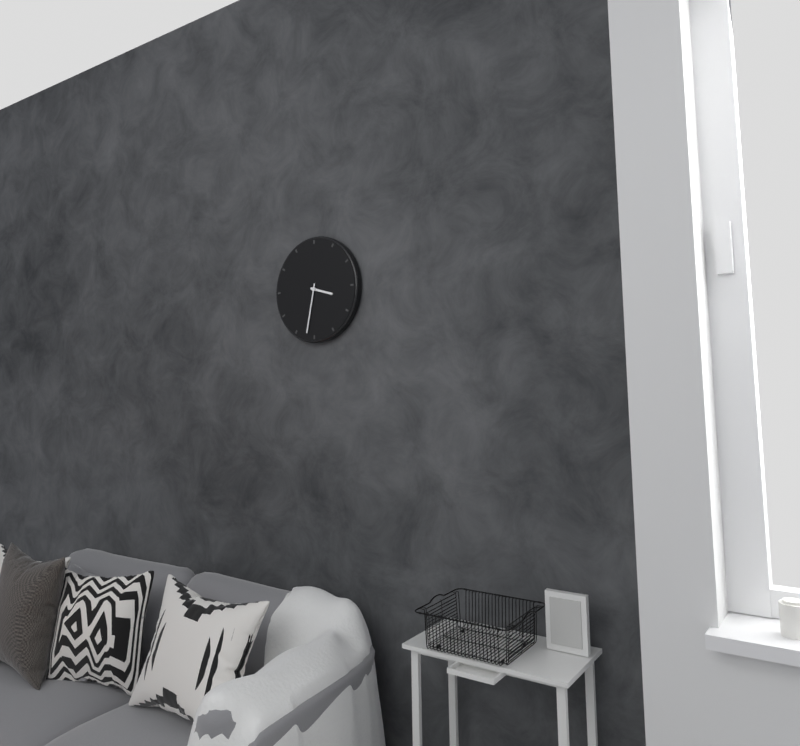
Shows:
3,32
